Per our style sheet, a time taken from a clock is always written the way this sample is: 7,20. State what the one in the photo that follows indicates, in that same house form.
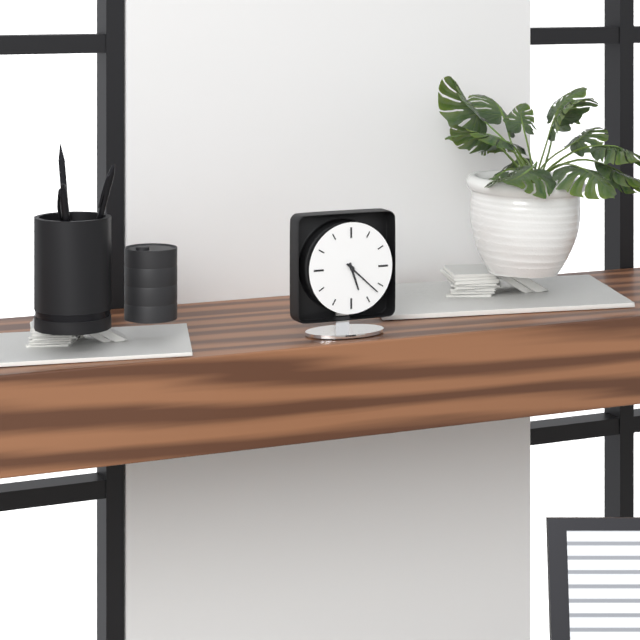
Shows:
5,22
